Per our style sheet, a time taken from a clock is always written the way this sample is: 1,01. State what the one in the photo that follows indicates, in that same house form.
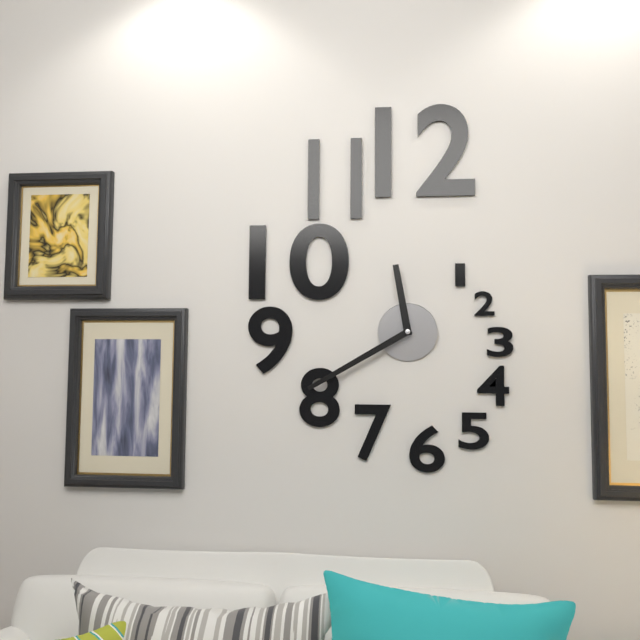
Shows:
11,40
